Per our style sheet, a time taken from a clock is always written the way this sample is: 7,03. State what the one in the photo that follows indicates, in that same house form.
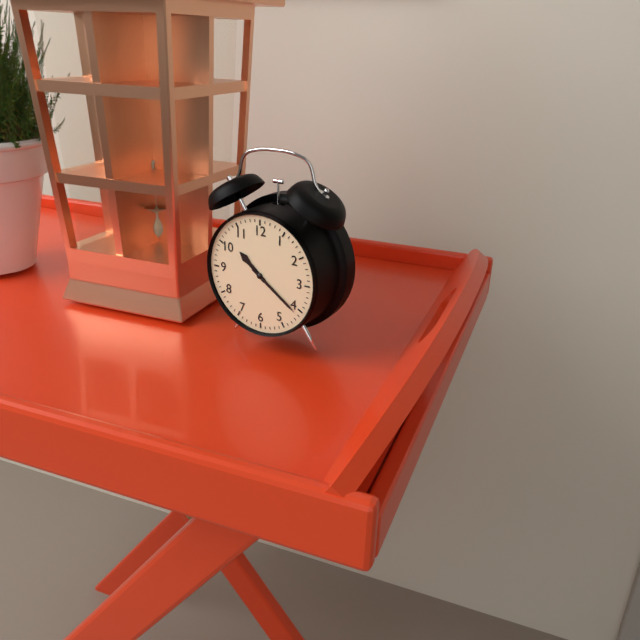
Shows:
10,21
